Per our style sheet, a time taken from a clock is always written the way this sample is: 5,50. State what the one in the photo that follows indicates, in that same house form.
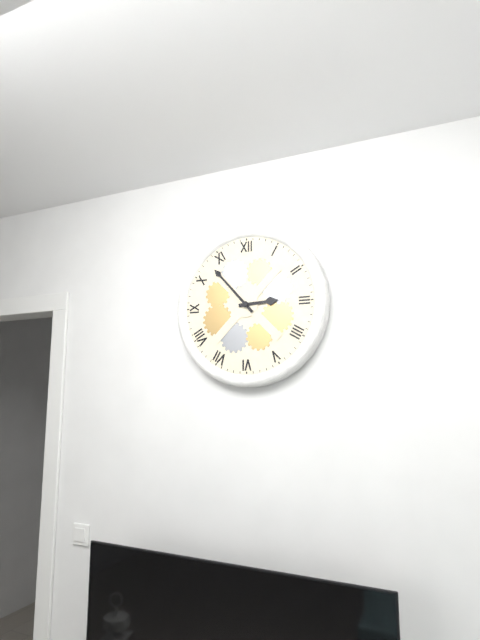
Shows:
2,53
